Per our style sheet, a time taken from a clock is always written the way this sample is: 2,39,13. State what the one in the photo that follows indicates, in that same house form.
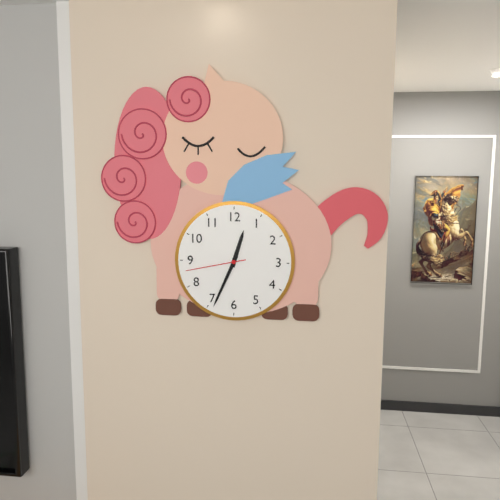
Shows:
12,34,43
